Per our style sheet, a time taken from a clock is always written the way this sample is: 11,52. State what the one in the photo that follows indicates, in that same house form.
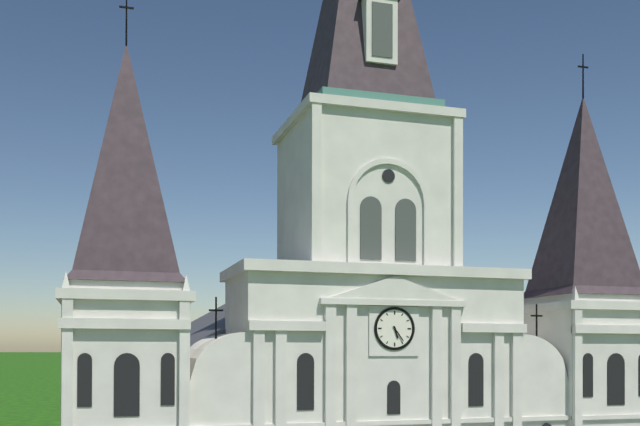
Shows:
5,24
